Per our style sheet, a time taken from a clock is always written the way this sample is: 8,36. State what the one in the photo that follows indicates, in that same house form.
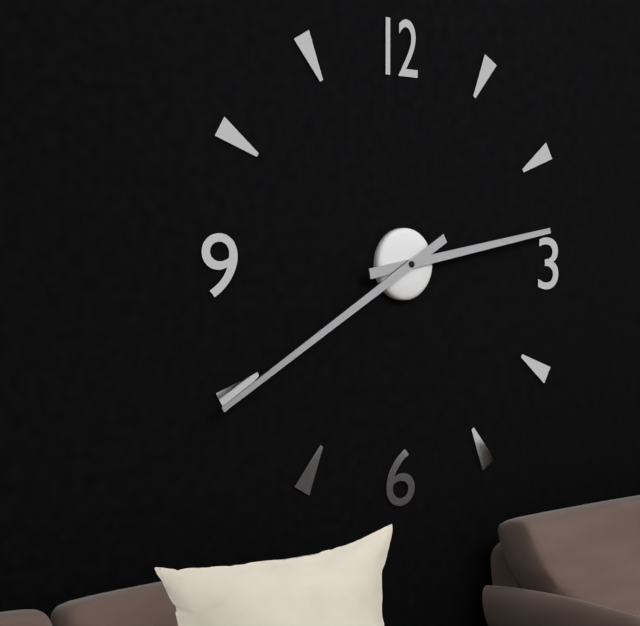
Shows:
2,40
